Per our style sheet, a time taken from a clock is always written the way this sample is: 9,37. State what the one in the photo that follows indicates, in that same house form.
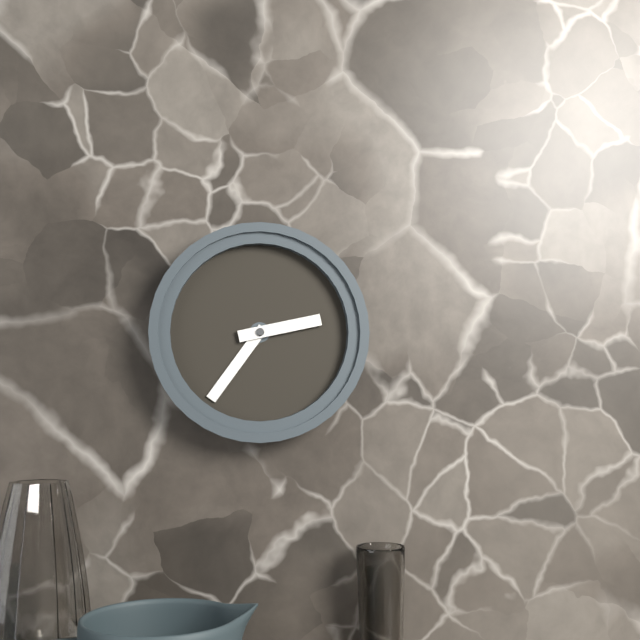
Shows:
2,36
